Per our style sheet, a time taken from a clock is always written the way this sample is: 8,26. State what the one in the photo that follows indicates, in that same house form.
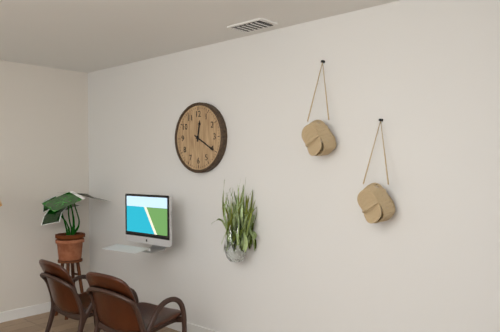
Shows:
12,20
